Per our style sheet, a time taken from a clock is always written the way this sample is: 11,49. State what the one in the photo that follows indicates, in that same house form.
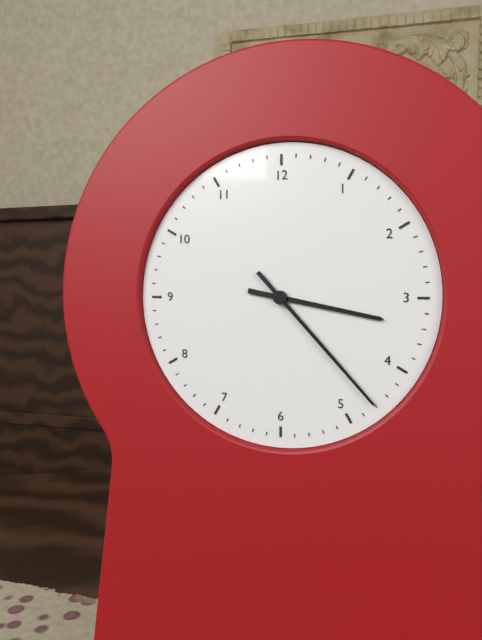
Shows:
3,23
